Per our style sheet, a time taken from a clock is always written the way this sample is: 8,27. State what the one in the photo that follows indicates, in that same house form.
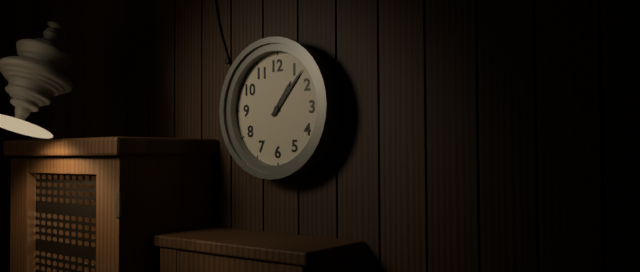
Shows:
1,07
